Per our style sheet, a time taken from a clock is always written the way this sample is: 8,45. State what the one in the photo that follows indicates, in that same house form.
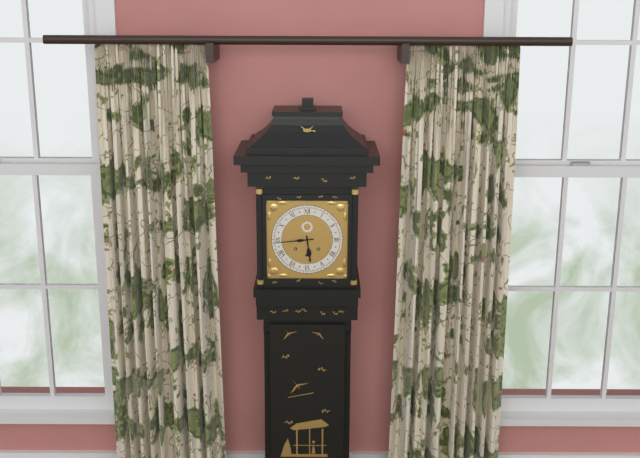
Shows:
5,44
